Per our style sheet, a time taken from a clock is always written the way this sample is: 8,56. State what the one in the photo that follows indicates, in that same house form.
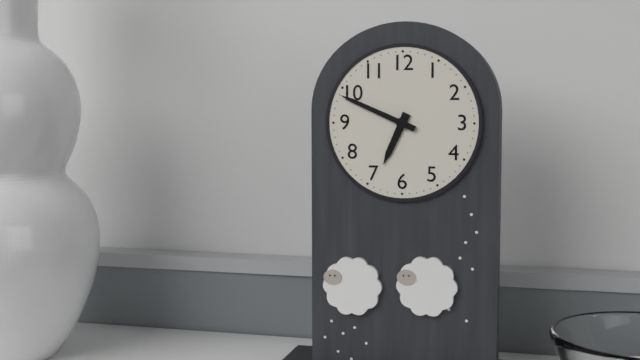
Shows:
6,49
